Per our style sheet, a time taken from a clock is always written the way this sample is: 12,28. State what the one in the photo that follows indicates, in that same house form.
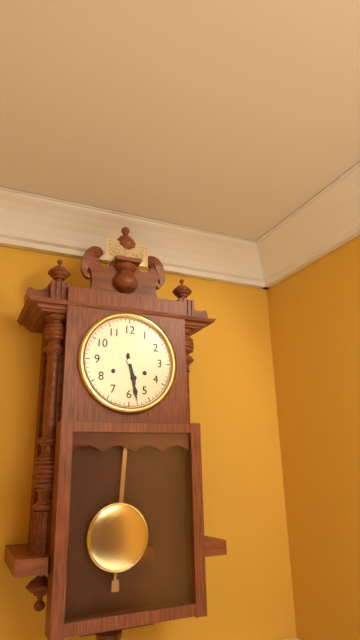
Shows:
5,28
